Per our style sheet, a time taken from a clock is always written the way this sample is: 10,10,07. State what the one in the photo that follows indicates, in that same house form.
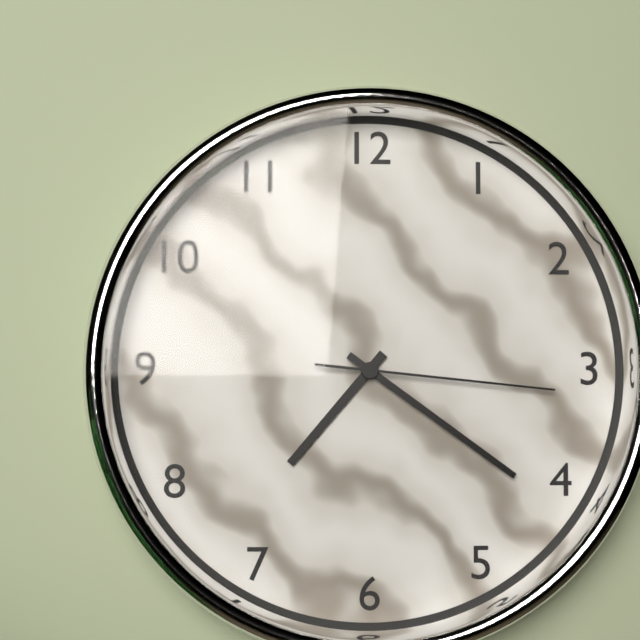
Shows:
7,21,16
